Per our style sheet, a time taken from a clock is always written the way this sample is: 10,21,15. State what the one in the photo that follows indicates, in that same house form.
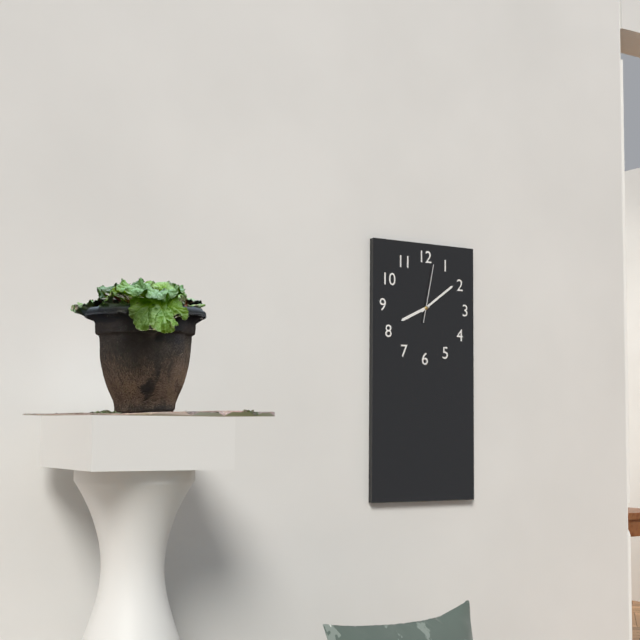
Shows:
8,09,02
